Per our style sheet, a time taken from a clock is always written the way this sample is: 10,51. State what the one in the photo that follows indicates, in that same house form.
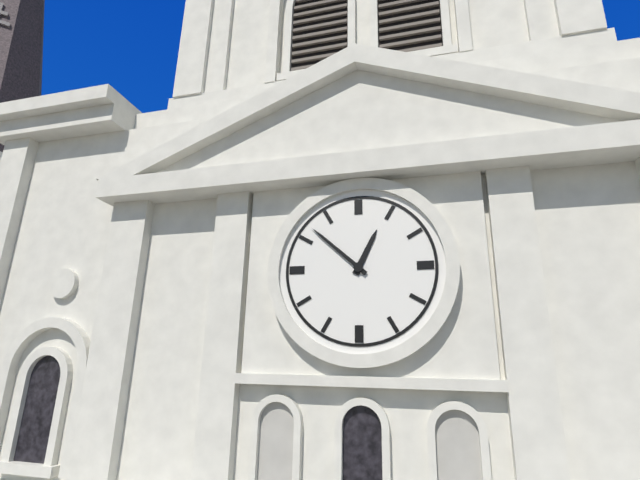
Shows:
12,52
